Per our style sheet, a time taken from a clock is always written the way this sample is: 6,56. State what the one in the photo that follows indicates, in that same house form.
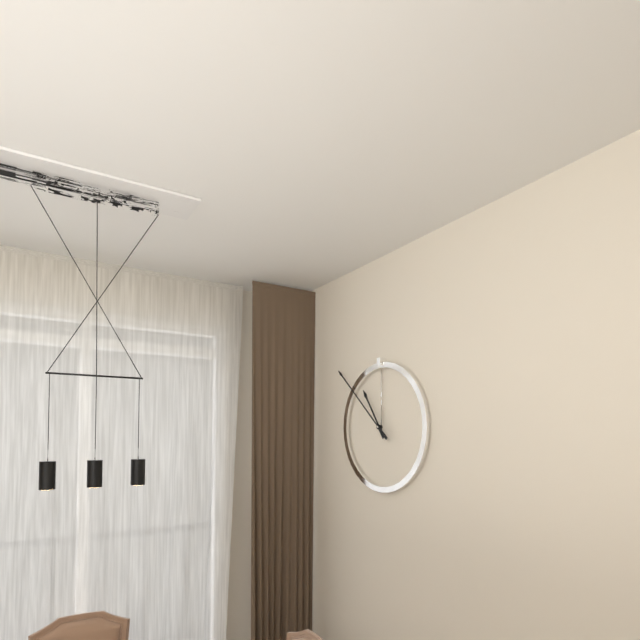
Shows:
10,52
